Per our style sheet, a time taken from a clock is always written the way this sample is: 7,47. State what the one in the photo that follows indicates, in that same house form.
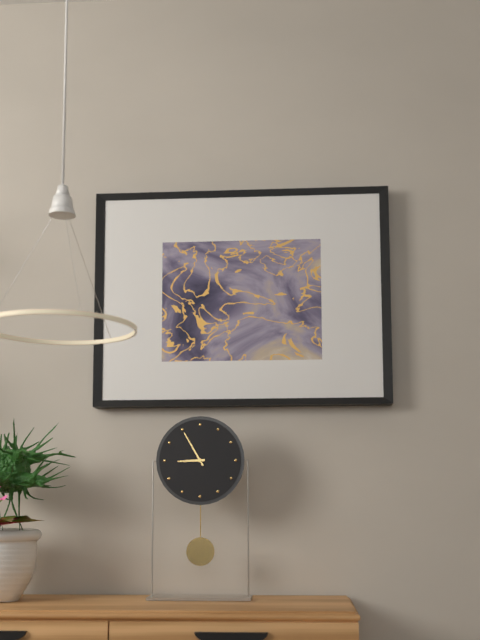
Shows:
8,55
